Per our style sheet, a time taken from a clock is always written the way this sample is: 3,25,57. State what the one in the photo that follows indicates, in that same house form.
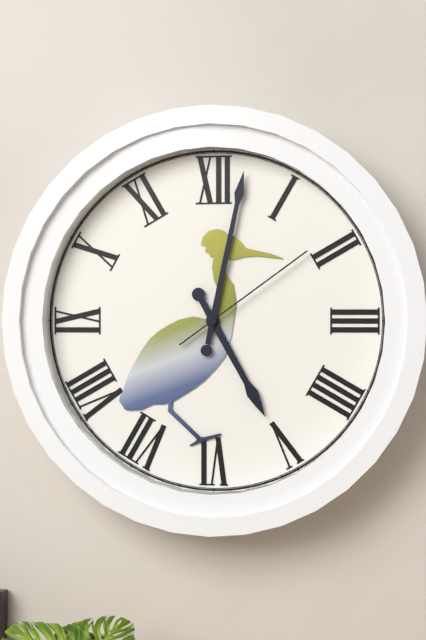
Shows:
5,02,09
